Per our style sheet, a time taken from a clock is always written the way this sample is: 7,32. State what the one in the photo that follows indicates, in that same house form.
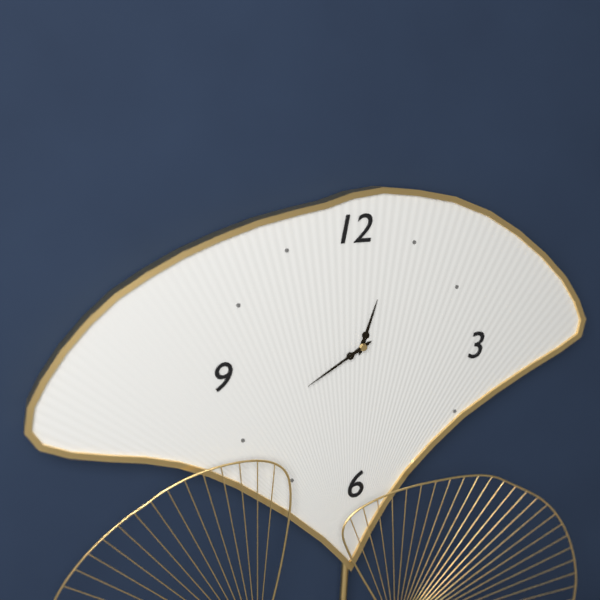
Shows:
12,40
